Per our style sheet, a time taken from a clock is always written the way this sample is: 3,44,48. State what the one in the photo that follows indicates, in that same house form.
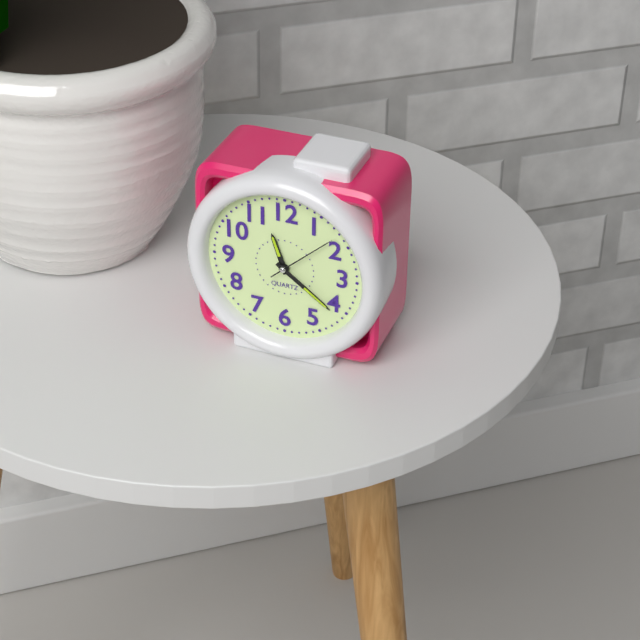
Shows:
11,21,08
